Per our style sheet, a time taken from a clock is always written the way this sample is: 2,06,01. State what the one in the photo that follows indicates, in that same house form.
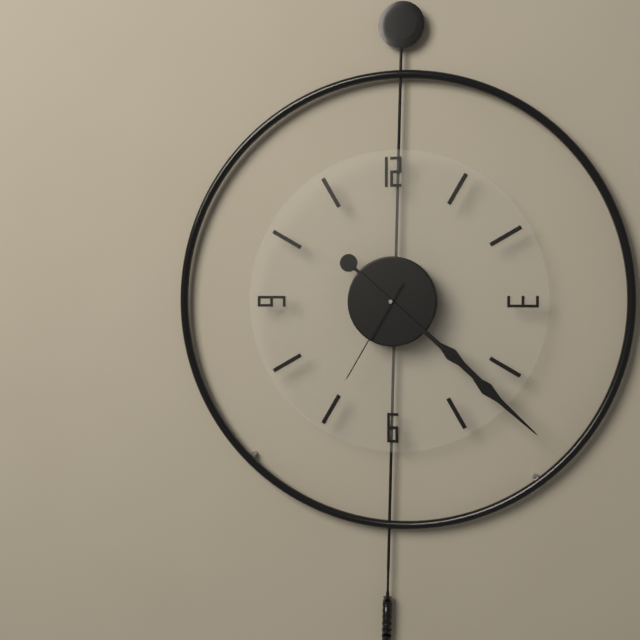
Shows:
4,22,35
